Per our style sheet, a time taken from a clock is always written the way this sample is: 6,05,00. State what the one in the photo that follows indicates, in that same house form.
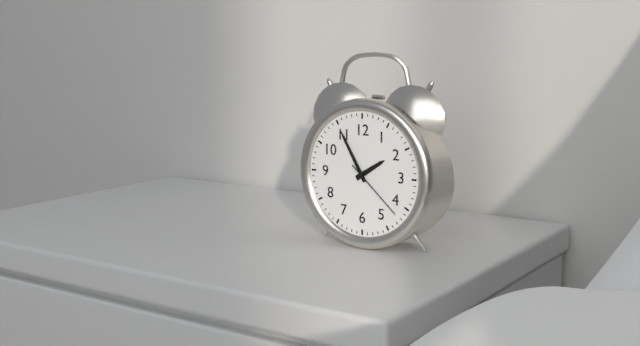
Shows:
1,55,22
